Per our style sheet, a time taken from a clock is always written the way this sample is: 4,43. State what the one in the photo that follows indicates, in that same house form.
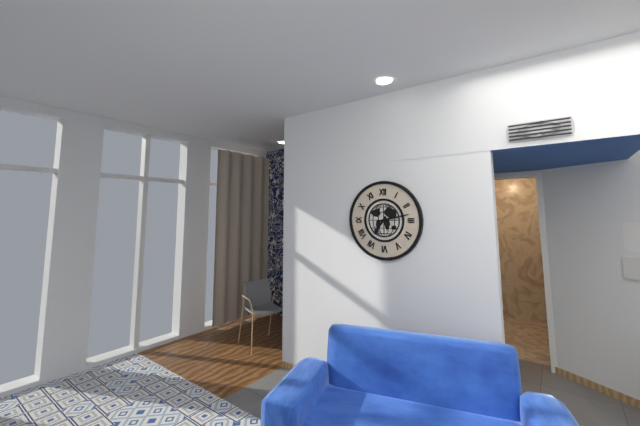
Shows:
7,13
